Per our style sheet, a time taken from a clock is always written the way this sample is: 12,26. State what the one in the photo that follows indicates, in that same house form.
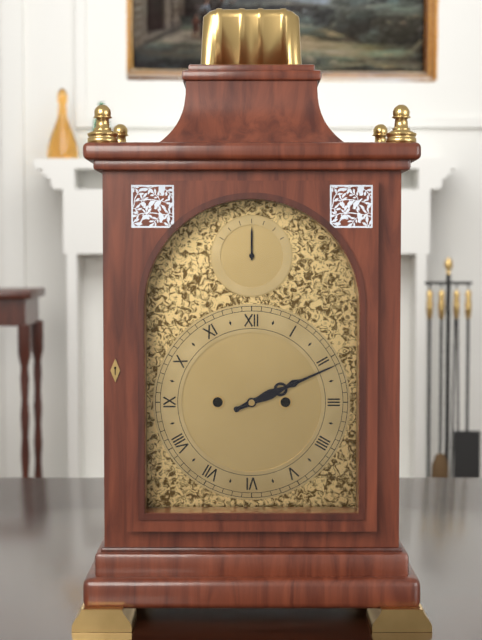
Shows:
2,11
